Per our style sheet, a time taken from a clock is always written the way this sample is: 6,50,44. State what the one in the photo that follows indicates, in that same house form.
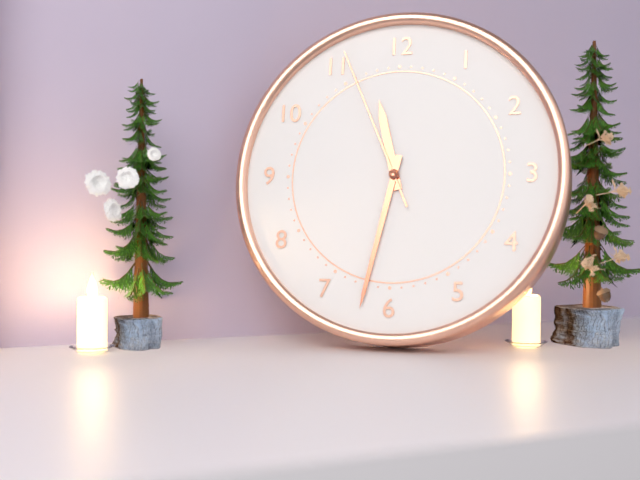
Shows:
11,32,56
